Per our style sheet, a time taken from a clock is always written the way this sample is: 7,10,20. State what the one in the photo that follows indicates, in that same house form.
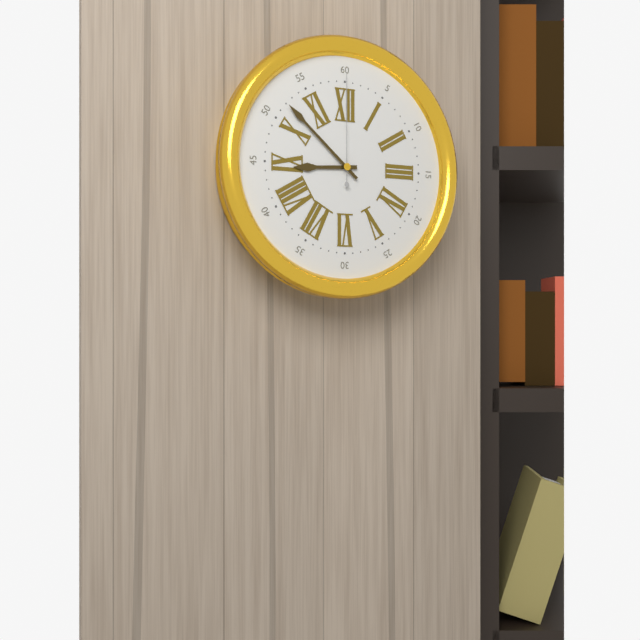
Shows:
8,52,00
